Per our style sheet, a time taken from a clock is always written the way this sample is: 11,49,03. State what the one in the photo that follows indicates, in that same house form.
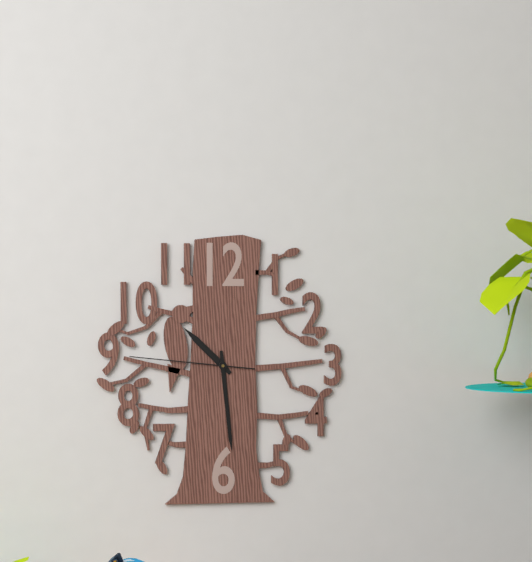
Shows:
10,29,46
